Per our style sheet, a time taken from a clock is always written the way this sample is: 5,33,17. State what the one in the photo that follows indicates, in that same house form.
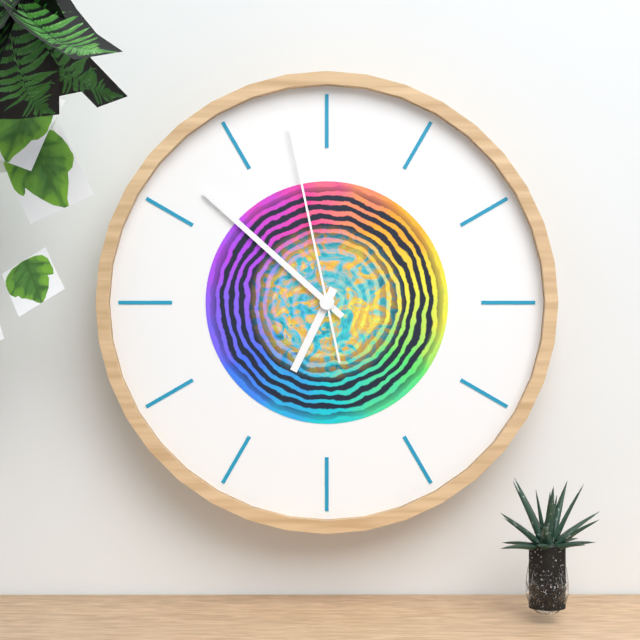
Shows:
6,52,58
